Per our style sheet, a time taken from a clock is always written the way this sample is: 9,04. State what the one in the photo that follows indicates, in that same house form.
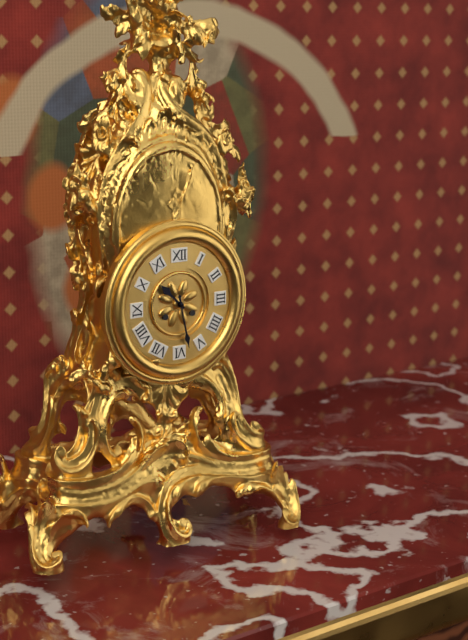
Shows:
10,28
